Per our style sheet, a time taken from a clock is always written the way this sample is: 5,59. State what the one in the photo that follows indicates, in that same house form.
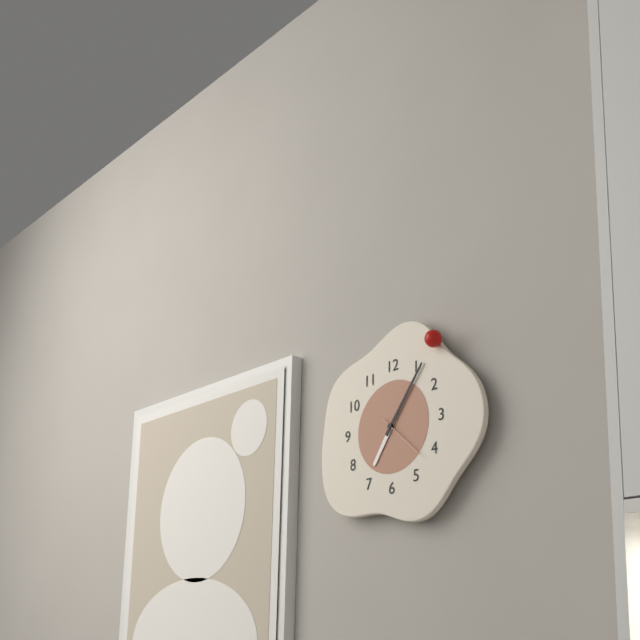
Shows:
7,06
